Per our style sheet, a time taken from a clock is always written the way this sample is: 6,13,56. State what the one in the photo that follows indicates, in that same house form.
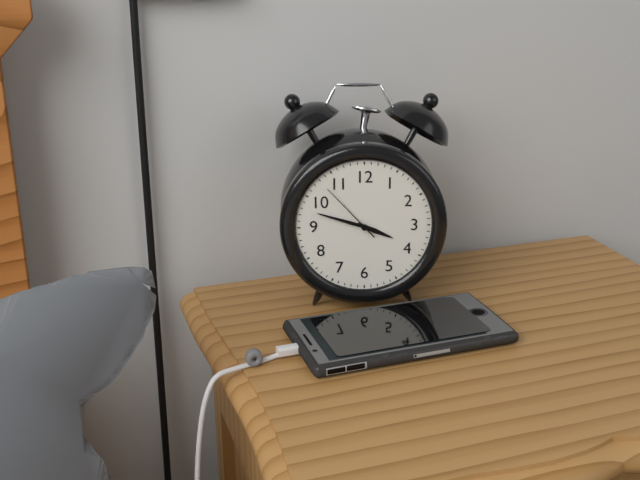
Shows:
3,48,53
